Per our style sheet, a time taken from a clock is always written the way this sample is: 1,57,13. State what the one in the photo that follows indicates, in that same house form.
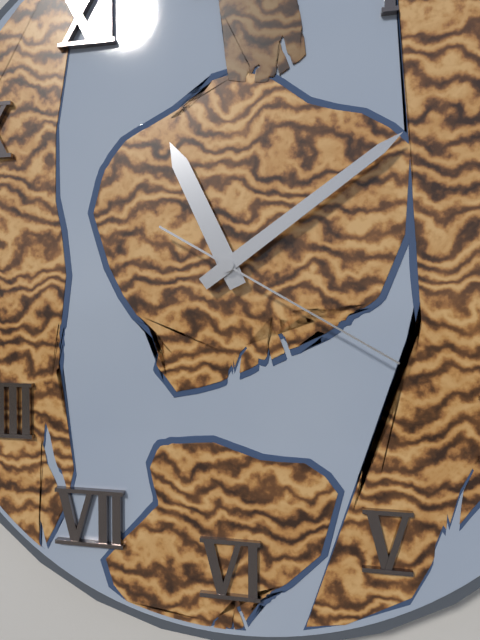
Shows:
11,09,20
